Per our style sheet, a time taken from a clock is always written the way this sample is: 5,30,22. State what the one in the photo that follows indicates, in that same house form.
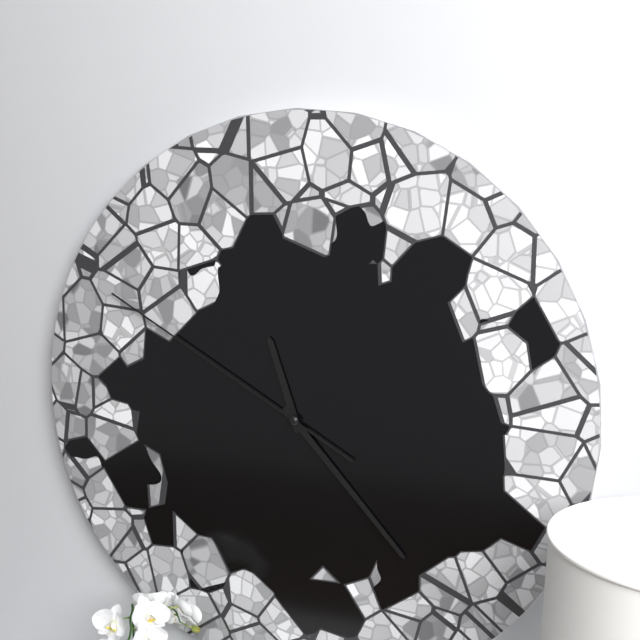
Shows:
11,23,50
